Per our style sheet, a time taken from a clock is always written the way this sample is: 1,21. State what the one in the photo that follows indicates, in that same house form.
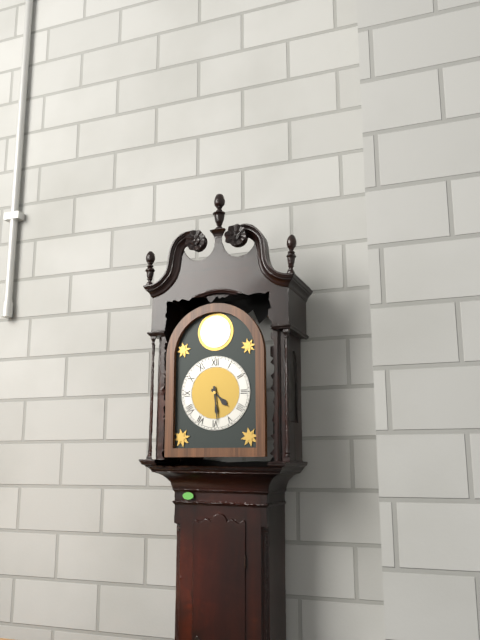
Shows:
4,29
